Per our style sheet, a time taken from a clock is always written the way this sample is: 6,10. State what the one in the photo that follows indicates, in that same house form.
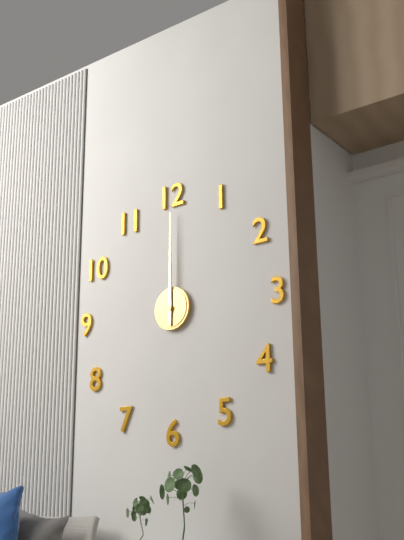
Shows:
12,00
